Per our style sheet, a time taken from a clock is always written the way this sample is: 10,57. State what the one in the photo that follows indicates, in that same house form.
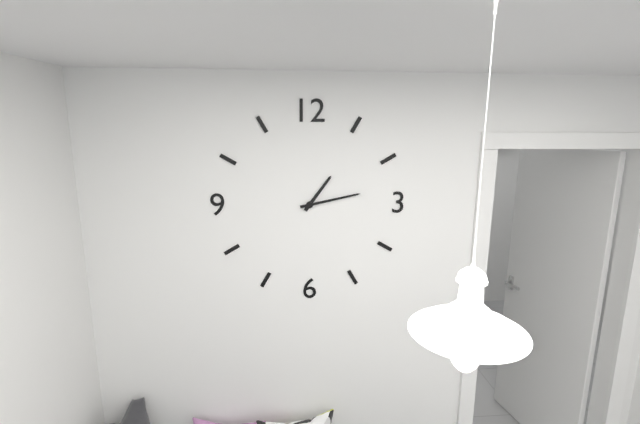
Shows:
1,13
